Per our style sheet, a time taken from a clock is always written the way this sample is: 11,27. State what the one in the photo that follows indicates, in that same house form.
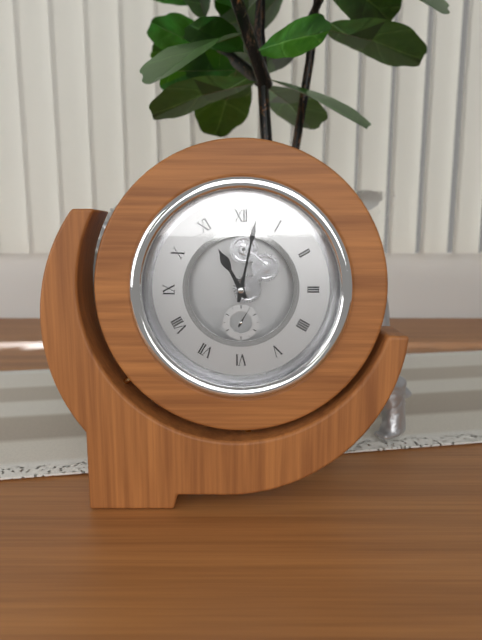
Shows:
11,02
